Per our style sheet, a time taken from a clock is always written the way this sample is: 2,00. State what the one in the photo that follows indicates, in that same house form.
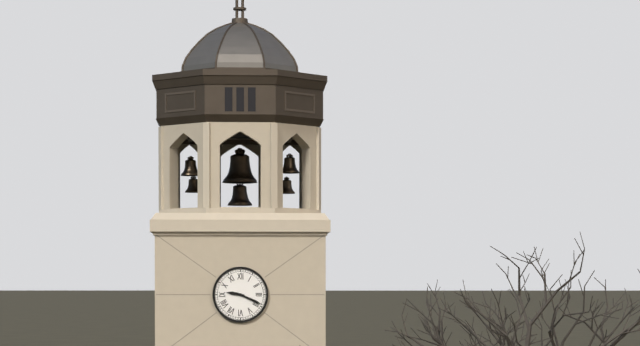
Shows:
9,19
